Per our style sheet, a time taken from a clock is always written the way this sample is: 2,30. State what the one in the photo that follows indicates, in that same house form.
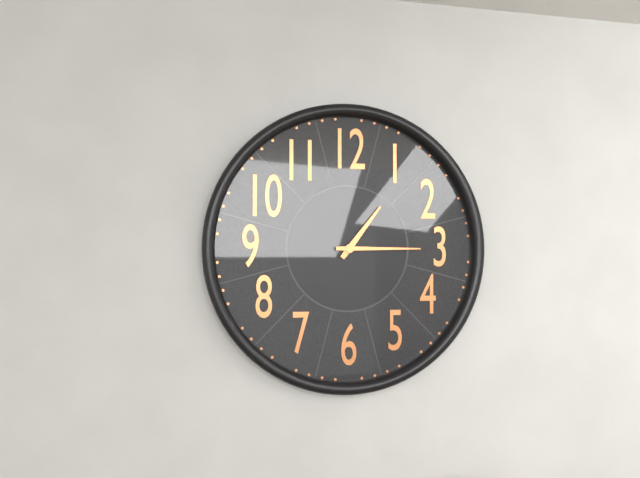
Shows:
1,15
